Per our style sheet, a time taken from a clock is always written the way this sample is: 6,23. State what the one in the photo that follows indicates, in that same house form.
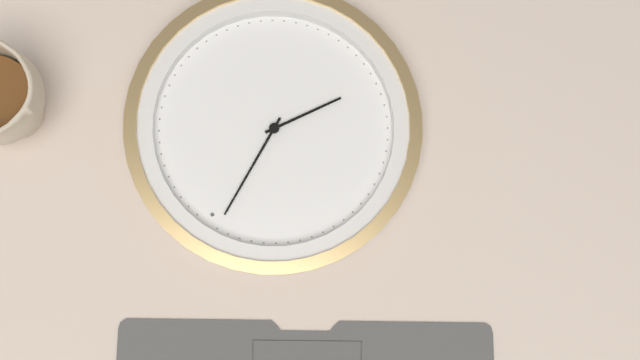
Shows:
6,59
